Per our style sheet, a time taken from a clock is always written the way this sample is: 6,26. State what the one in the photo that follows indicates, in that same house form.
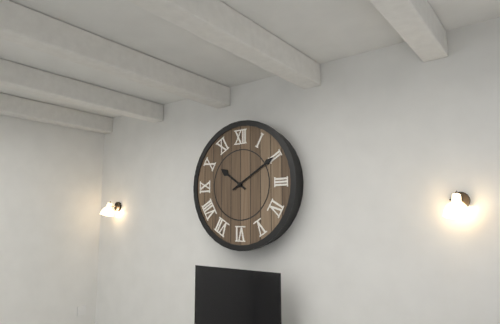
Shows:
10,10
